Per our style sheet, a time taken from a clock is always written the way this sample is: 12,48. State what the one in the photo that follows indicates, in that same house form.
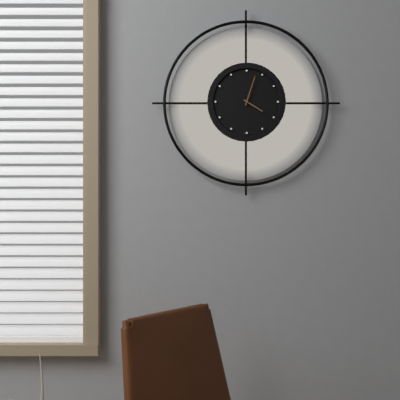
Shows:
4,03
